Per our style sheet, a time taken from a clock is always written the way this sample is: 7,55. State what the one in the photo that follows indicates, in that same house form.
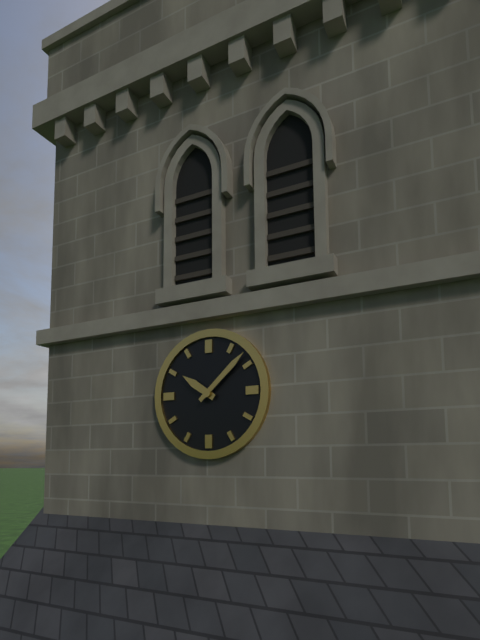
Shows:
10,08
